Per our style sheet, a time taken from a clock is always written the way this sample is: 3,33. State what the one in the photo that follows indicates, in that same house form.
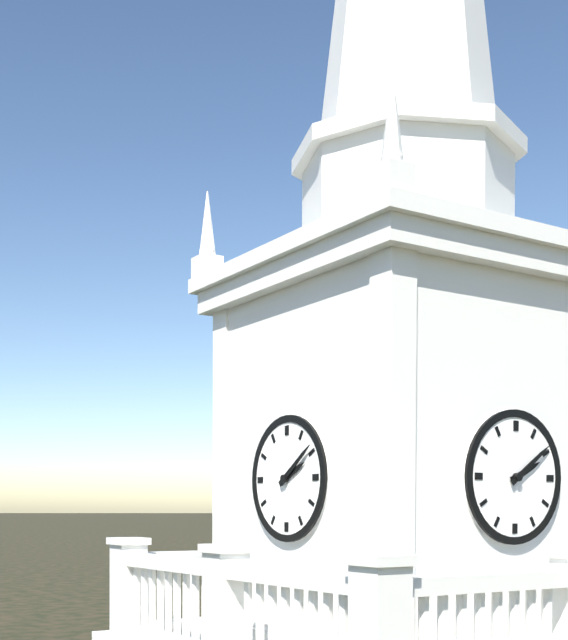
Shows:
2,09
